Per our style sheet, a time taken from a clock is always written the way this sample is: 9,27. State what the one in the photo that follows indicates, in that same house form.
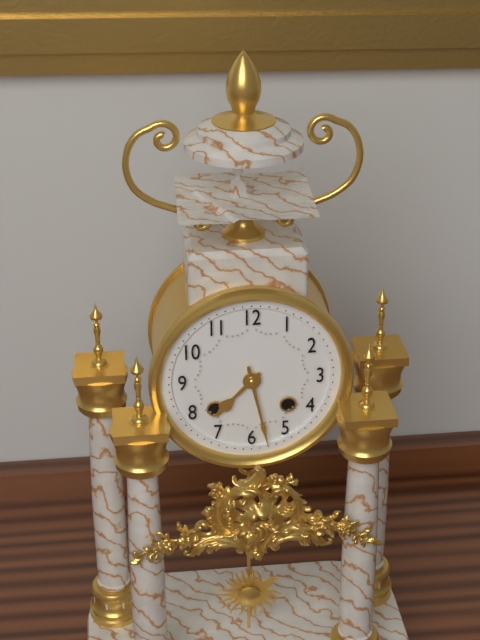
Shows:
7,28
